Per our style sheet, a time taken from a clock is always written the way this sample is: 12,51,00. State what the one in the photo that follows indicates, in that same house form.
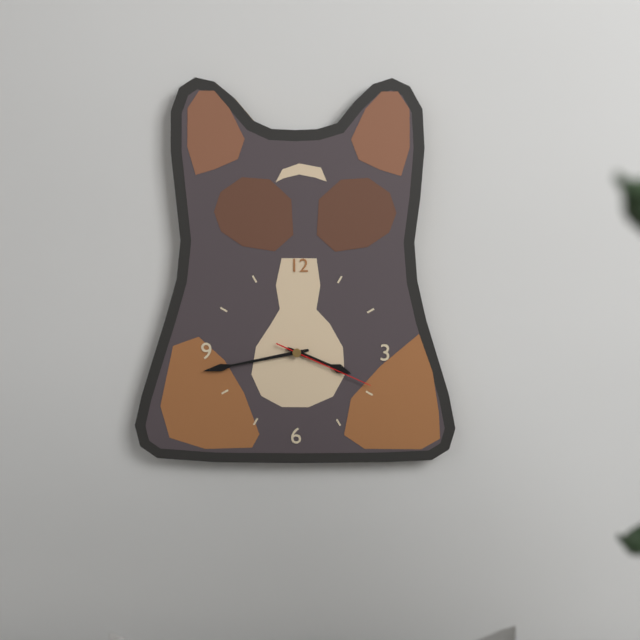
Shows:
3,43,19
